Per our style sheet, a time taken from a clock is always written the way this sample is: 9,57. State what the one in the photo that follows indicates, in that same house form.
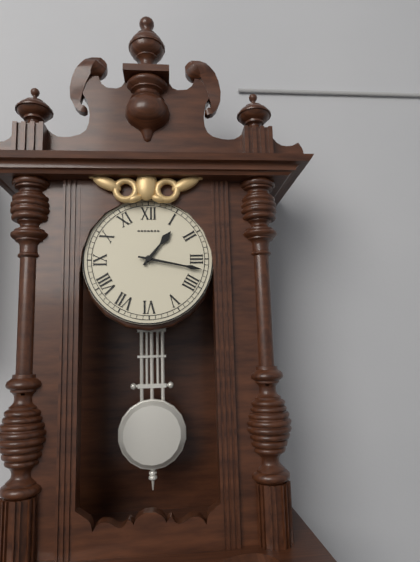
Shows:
1,17
